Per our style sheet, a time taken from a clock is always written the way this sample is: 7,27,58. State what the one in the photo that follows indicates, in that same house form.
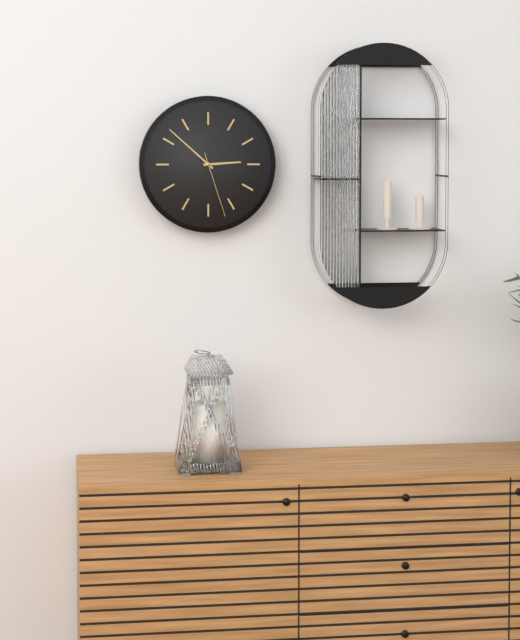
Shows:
2,52,27
